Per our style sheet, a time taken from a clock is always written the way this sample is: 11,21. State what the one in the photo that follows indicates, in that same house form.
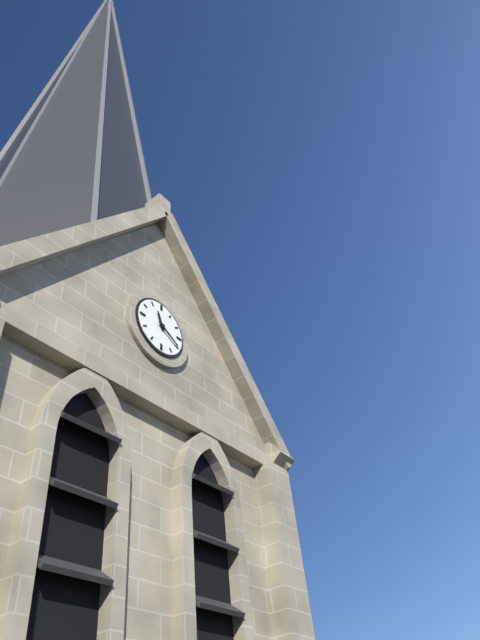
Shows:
11,20
